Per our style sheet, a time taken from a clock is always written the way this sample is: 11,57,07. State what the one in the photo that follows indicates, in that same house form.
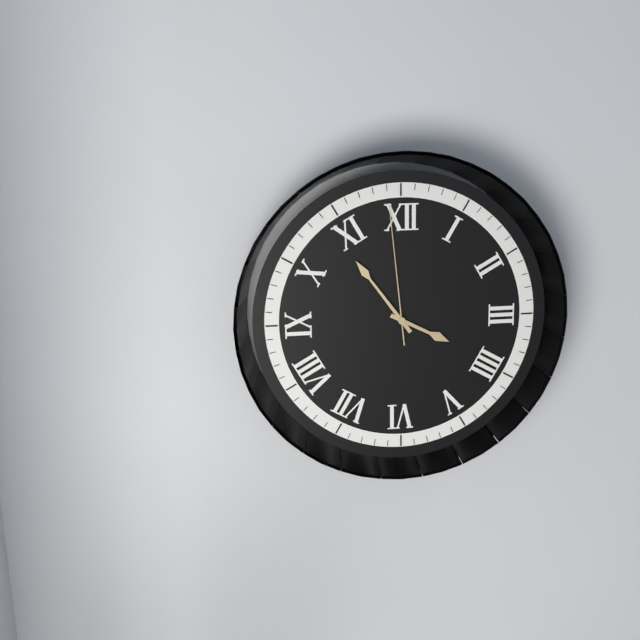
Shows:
3,54,59
